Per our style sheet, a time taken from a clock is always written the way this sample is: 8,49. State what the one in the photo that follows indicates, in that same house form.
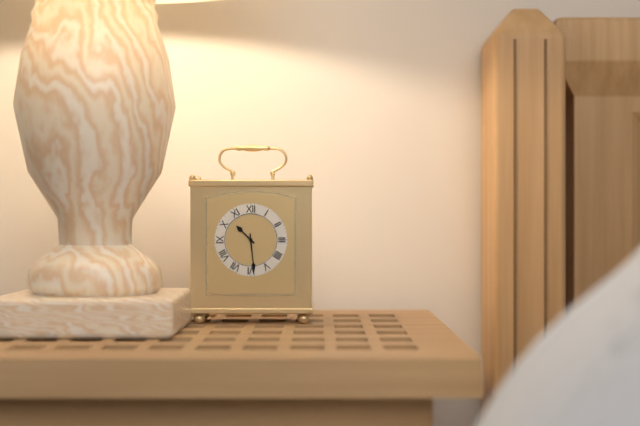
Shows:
10,29
